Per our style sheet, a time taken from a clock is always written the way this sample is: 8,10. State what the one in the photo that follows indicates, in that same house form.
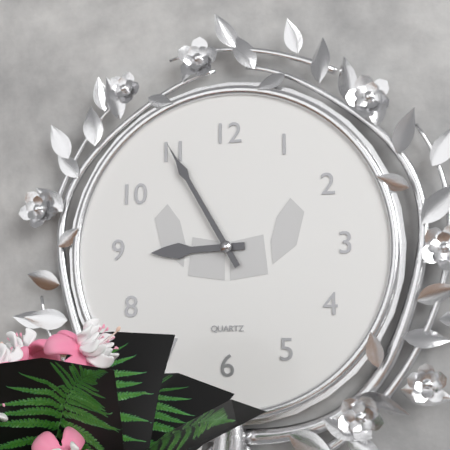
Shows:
8,55
